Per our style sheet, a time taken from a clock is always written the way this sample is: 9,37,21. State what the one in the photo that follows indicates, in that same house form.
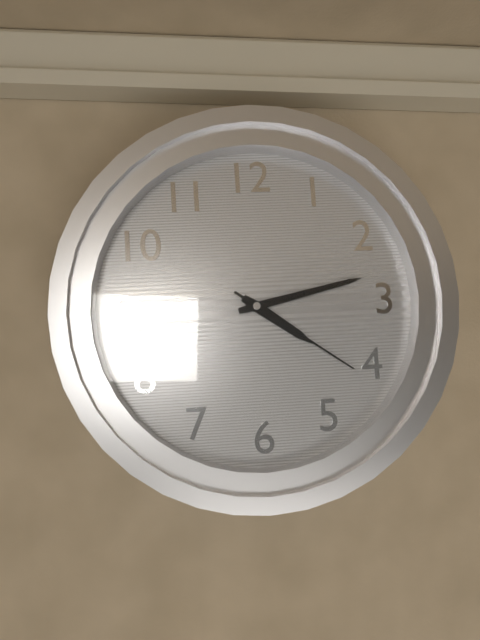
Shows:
4,13,21
